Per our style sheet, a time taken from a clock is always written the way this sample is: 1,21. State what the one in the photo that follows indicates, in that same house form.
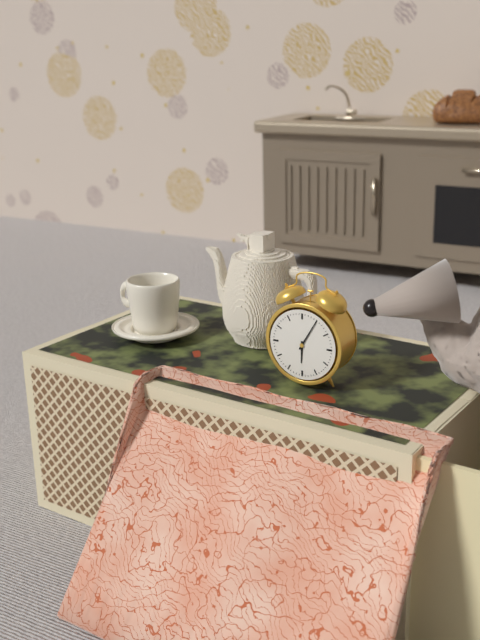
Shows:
6,05
